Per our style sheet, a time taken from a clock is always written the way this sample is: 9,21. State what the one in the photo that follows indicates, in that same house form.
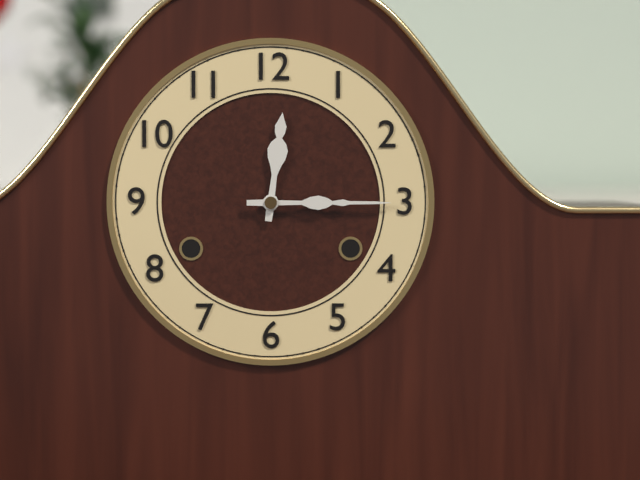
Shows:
12,15
